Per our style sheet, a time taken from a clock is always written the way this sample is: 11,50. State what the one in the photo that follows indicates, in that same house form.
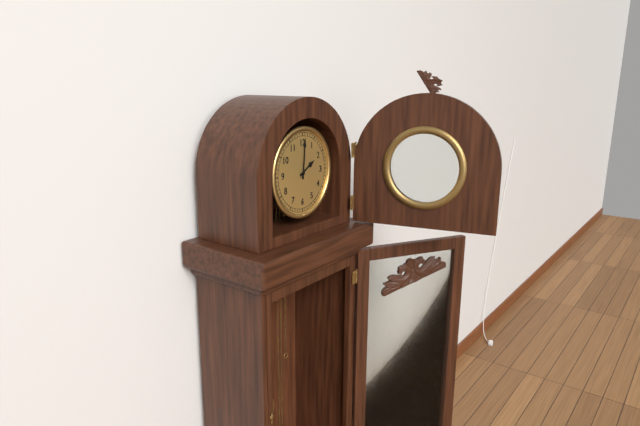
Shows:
2,01
